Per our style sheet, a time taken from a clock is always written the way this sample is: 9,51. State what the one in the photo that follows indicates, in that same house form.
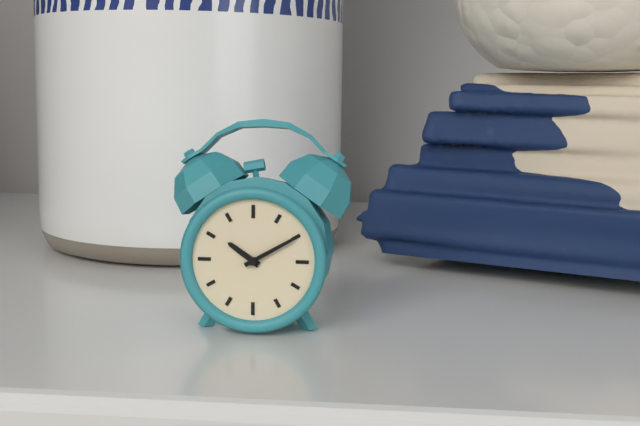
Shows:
10,10
